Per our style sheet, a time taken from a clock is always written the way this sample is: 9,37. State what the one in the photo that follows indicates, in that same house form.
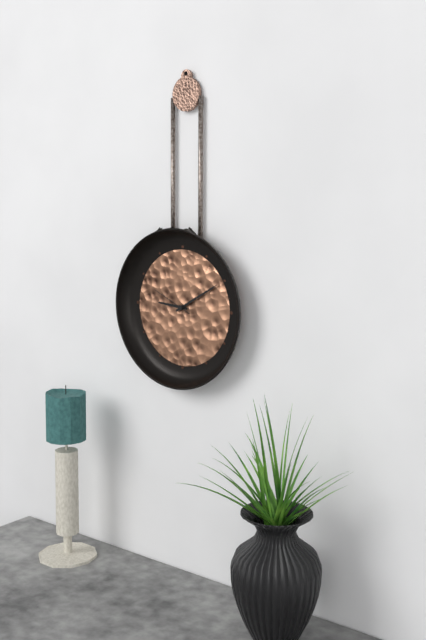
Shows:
9,10
